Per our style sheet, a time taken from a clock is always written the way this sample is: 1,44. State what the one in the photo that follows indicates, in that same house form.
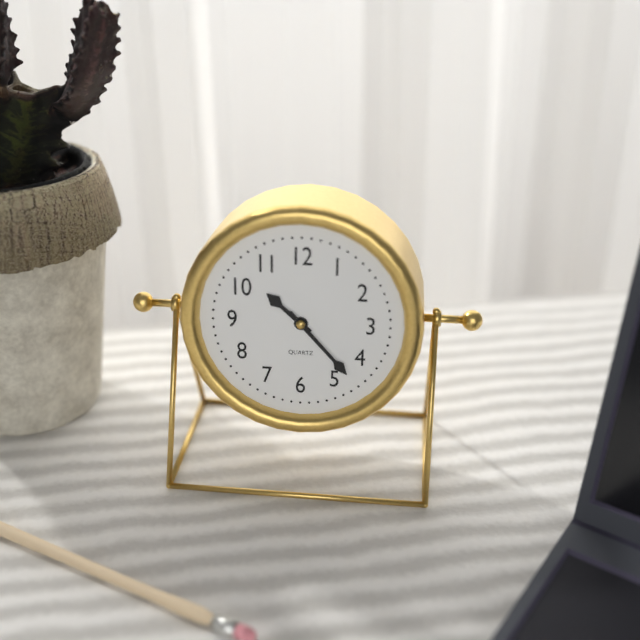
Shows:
10,23
